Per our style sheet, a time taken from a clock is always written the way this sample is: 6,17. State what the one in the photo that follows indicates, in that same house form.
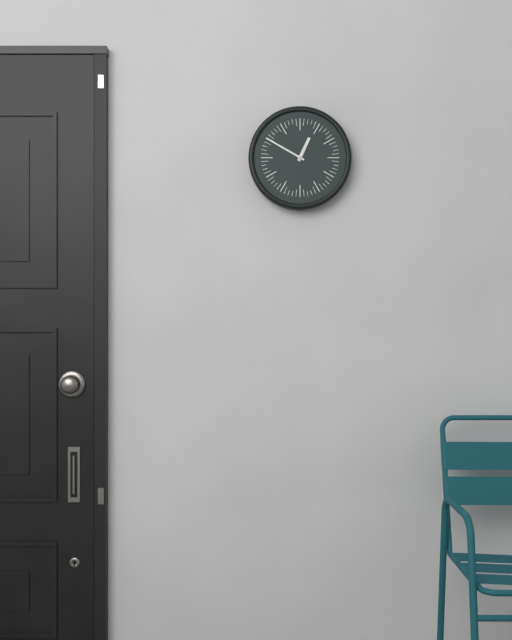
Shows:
12,50
